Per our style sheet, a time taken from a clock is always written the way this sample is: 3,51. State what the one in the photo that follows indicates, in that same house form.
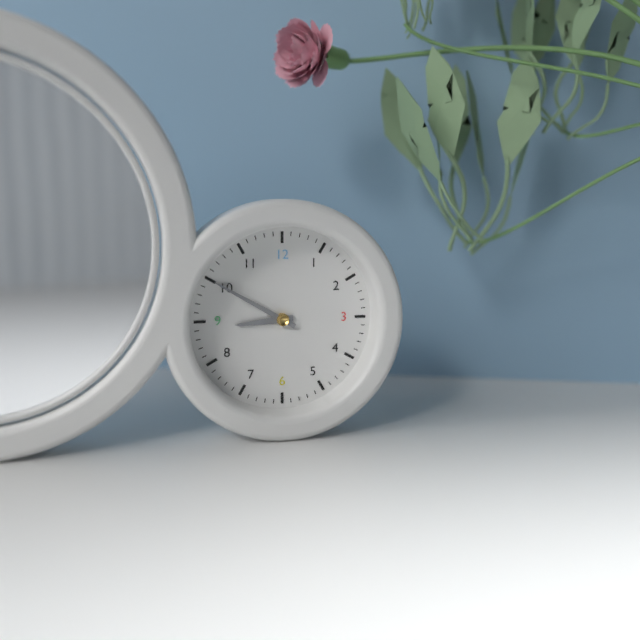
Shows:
8,50
